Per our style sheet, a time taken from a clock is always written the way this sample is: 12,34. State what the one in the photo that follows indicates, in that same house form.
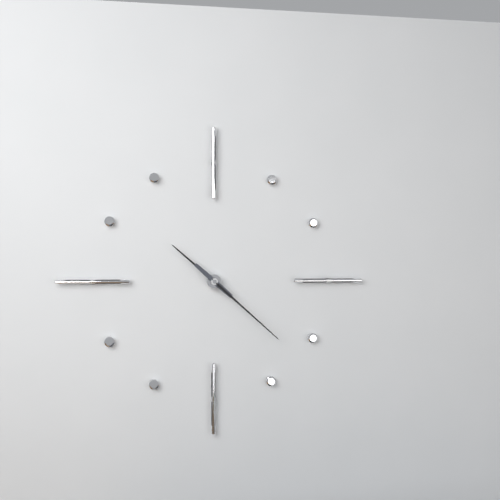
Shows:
10,22
